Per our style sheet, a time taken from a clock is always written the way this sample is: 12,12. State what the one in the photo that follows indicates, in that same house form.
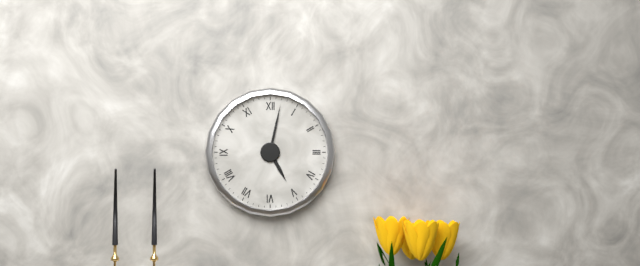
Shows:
5,02
